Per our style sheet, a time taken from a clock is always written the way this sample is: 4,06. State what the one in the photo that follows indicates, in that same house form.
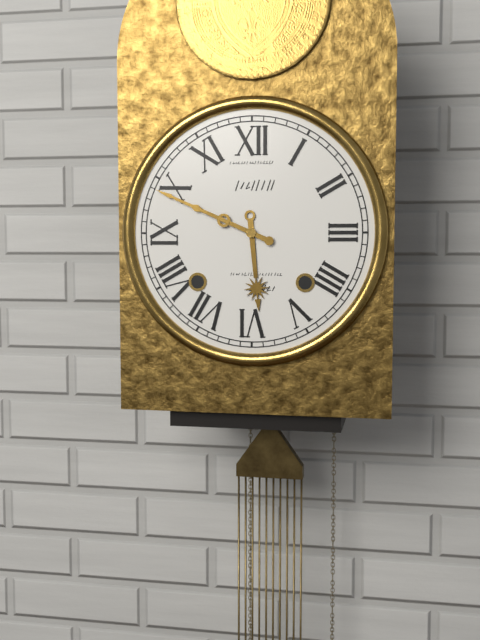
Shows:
5,49
